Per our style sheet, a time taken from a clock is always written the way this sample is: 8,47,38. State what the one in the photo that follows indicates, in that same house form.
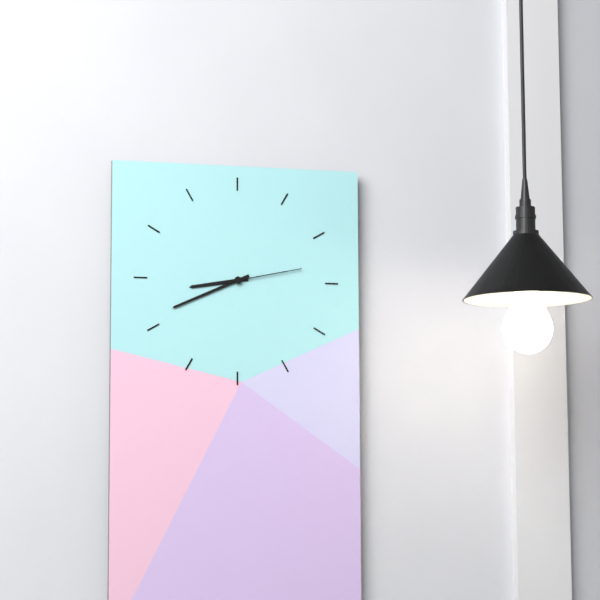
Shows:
8,41,13
